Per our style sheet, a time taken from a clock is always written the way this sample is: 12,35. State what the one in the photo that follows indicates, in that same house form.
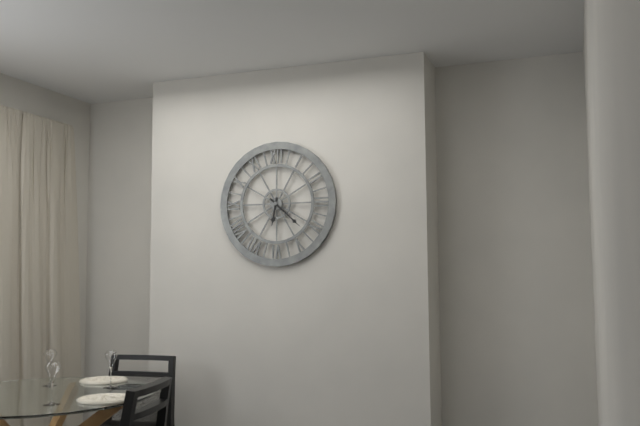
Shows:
6,22
